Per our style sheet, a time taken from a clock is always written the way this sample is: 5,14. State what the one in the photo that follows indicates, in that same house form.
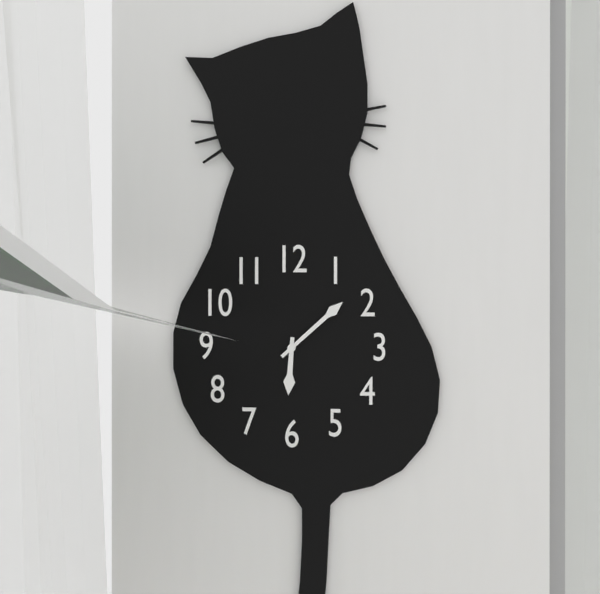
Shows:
6,08
